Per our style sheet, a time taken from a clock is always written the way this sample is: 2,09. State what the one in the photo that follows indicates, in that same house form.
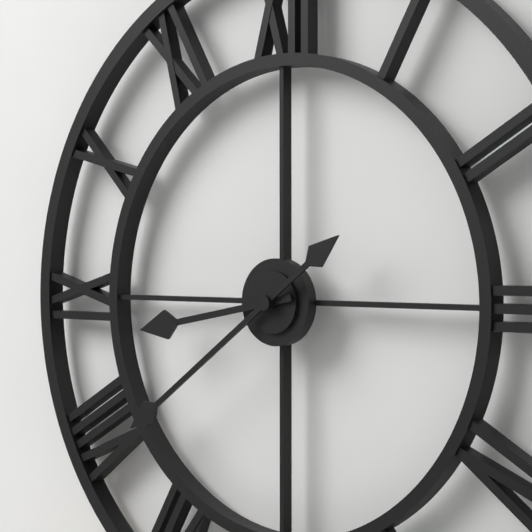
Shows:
8,39
